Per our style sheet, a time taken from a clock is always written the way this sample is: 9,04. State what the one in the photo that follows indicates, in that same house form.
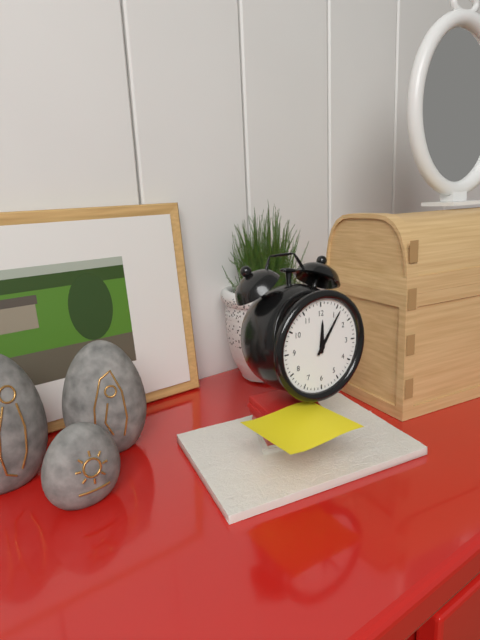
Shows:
12,06
